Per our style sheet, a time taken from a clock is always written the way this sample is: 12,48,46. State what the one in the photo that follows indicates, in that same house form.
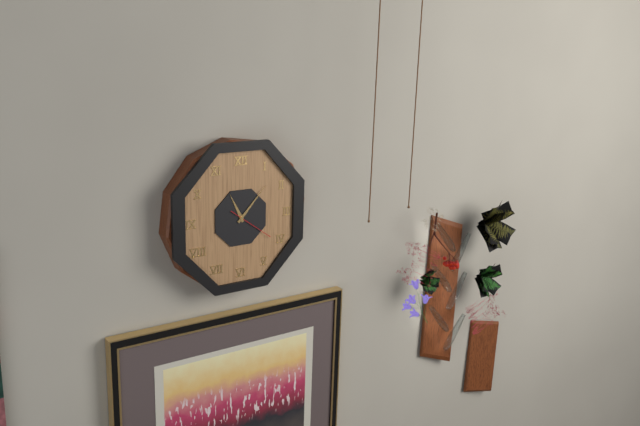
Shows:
11,07,21
